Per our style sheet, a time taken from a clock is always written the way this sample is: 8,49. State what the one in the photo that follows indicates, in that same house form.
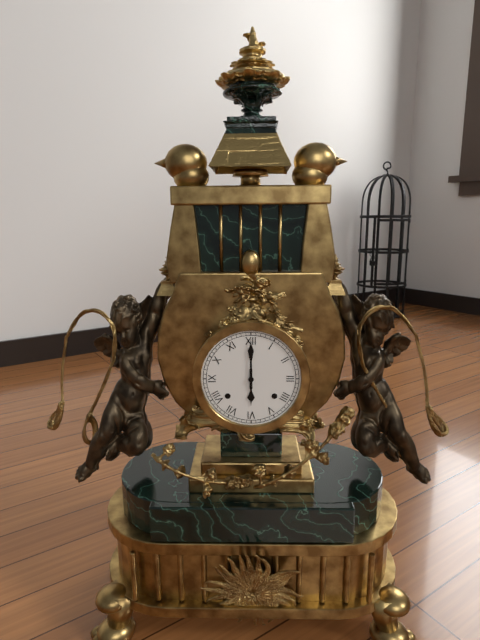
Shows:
6,00
